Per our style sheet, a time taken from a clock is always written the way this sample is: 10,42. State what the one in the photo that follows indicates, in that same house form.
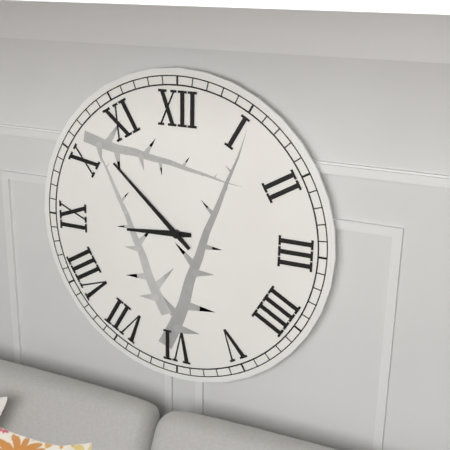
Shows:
8,52
